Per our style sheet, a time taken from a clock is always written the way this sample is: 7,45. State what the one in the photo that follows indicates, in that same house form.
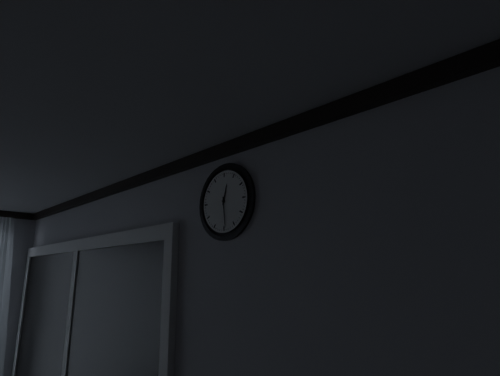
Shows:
12,29
